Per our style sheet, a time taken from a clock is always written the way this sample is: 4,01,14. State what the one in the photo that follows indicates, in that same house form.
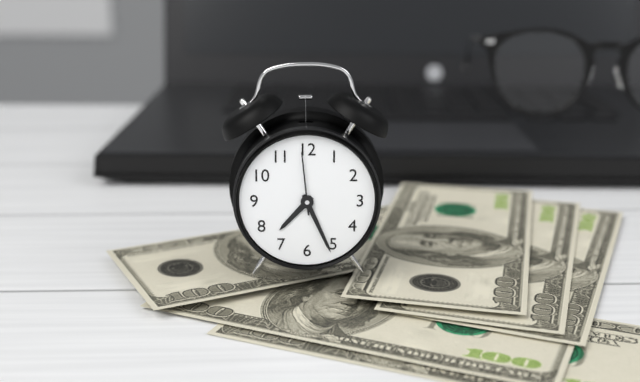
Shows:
7,26,59
